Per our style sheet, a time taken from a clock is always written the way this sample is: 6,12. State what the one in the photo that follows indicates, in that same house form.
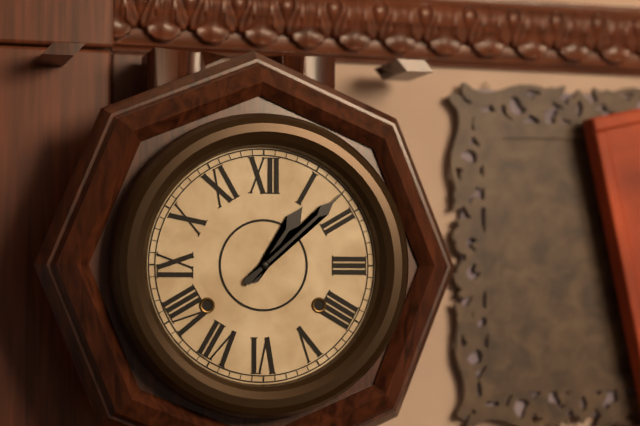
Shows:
1,08
